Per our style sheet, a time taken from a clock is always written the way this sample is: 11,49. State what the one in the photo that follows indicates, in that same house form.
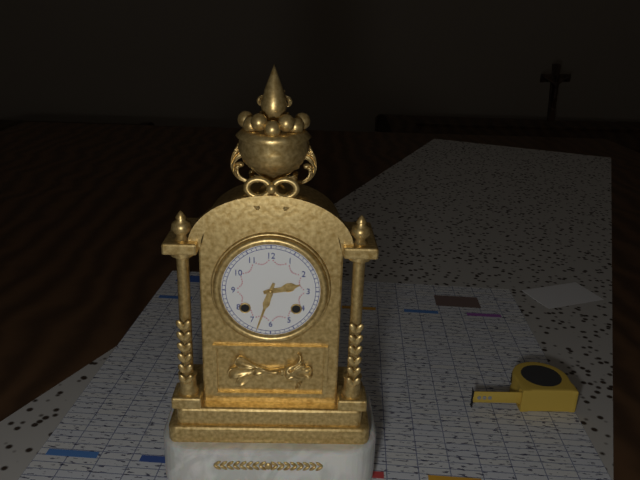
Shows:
2,33
